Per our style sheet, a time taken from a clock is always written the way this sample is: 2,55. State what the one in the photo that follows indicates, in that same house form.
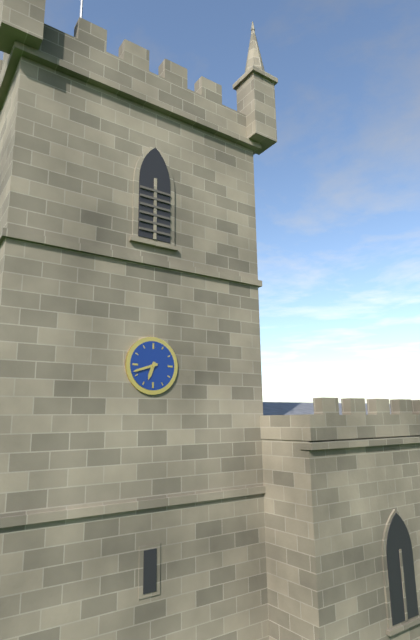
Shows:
6,42
